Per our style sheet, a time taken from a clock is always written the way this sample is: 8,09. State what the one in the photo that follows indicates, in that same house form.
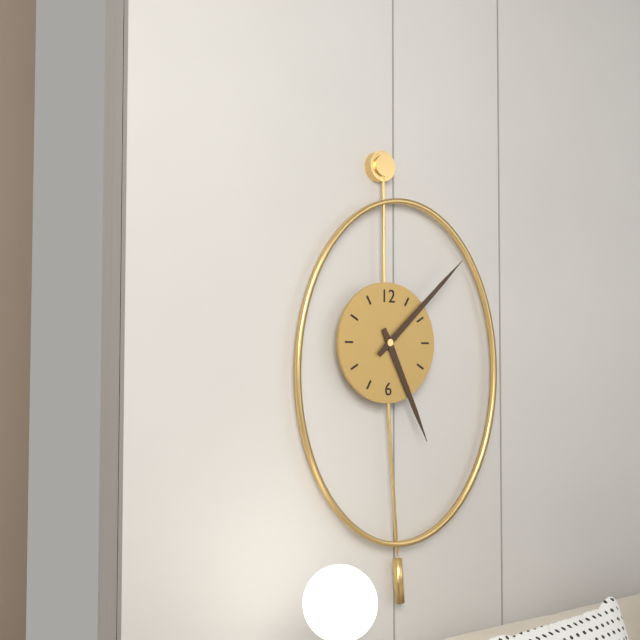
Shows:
5,08
